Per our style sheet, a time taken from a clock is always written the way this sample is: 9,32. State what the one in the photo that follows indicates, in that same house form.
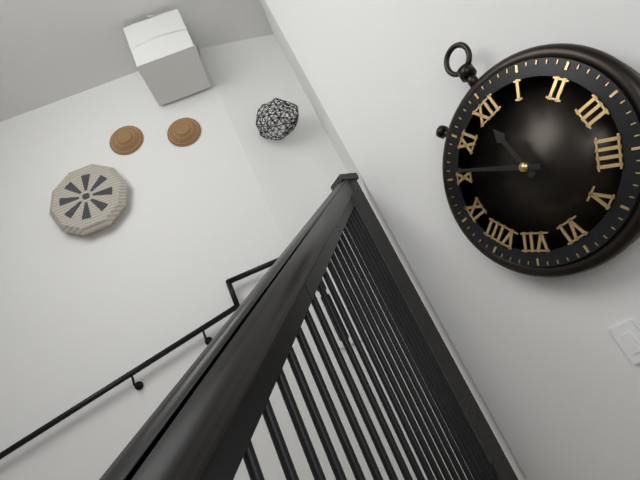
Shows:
11,51
